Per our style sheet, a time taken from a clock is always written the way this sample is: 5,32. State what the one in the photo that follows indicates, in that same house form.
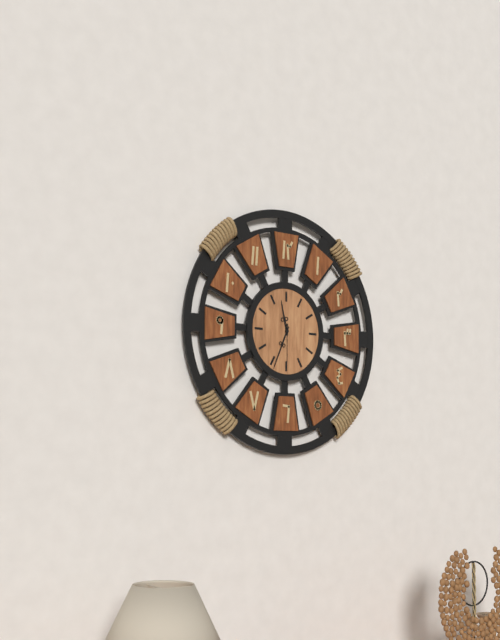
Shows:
11,34
